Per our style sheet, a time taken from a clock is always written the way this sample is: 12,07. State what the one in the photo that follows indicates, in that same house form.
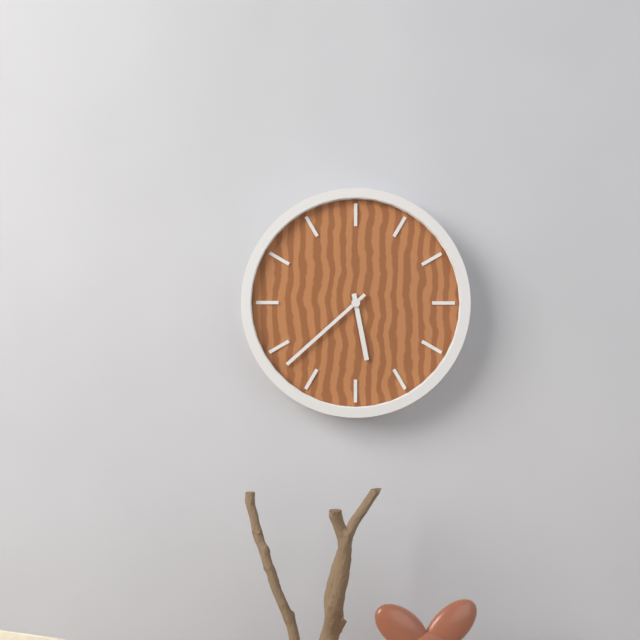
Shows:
5,38
